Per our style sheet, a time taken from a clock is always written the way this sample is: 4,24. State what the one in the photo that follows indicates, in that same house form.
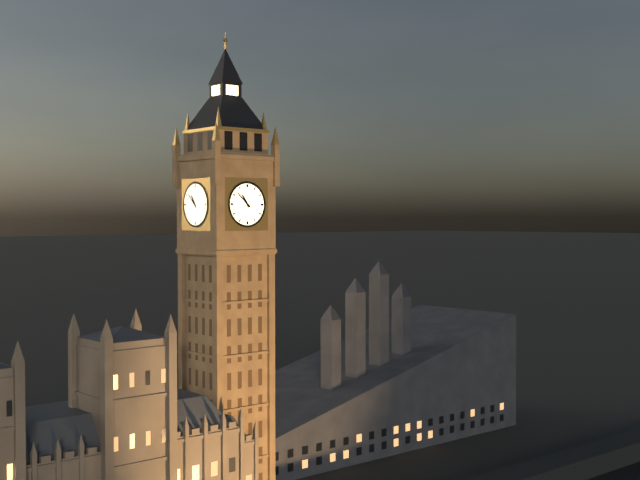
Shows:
10,52
